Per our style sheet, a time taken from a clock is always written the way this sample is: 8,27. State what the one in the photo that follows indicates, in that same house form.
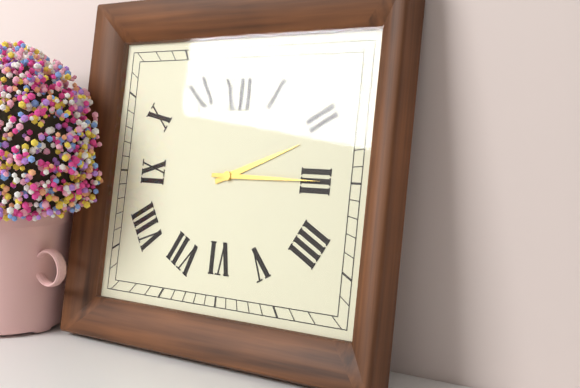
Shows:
2,15
